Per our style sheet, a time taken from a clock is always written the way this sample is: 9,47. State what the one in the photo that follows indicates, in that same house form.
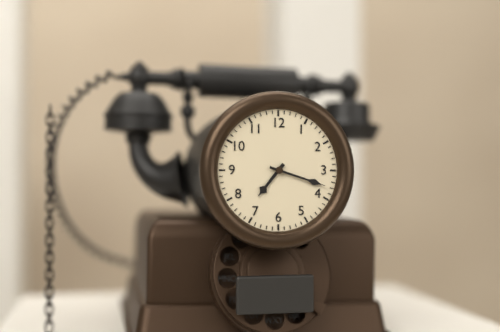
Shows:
7,18
